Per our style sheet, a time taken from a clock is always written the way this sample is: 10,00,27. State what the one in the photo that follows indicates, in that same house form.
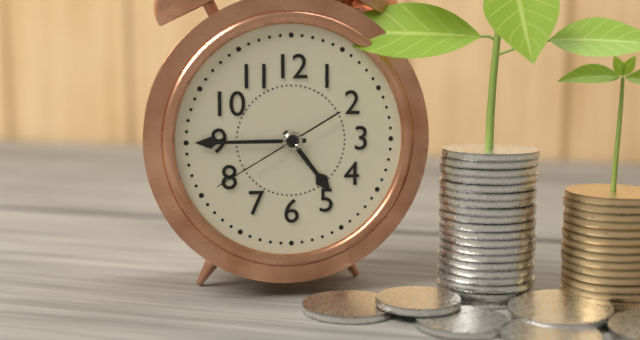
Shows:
4,45,40
